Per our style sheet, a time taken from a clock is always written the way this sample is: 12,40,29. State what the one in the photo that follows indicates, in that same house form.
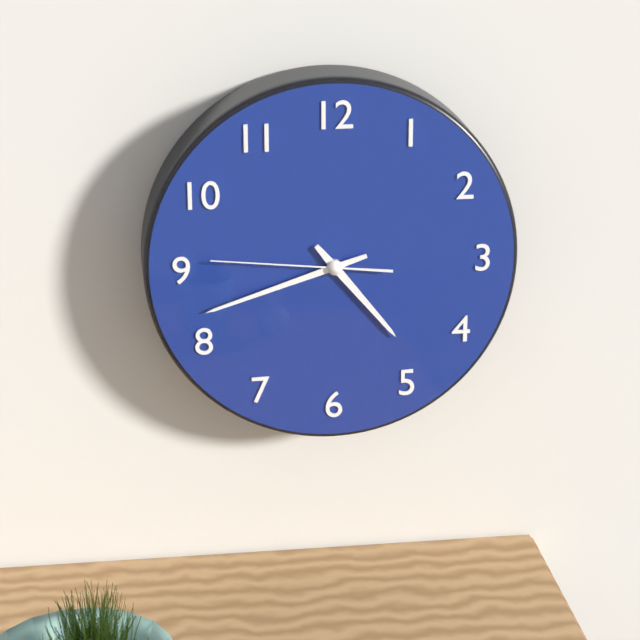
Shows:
4,42,46
